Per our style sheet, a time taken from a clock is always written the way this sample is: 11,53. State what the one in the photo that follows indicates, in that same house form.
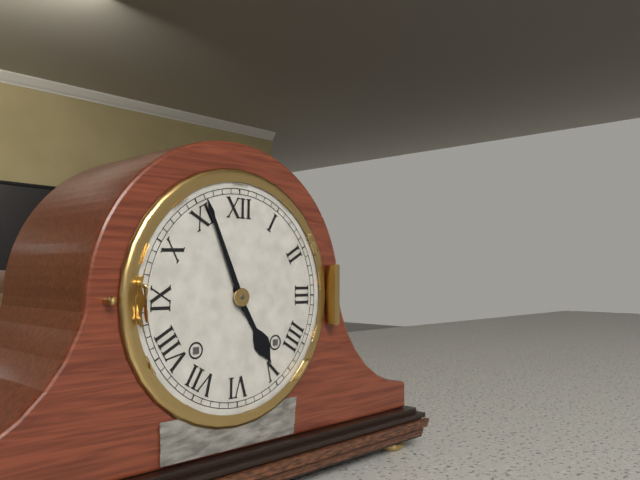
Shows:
4,56
